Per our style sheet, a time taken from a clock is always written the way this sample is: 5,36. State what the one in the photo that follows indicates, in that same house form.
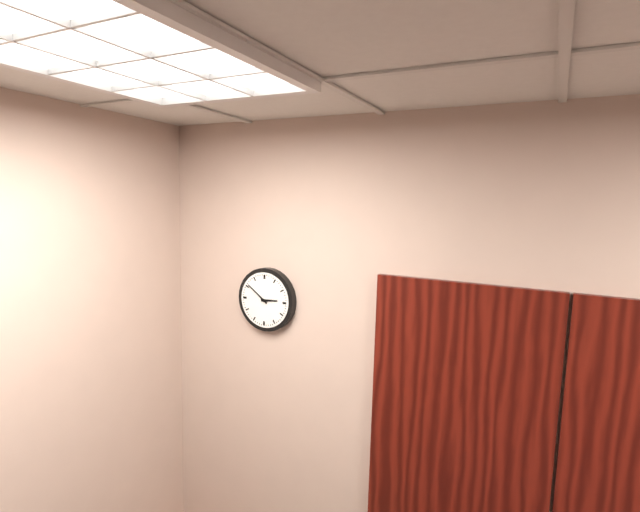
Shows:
2,51
